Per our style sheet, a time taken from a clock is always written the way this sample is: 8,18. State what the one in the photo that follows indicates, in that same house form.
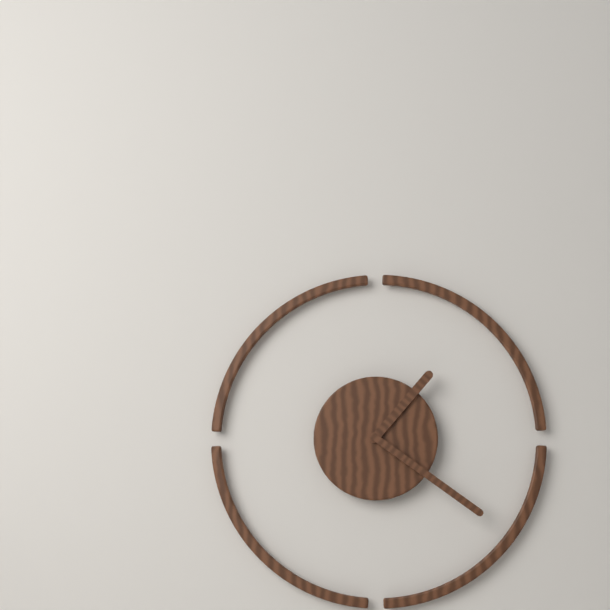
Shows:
1,21
